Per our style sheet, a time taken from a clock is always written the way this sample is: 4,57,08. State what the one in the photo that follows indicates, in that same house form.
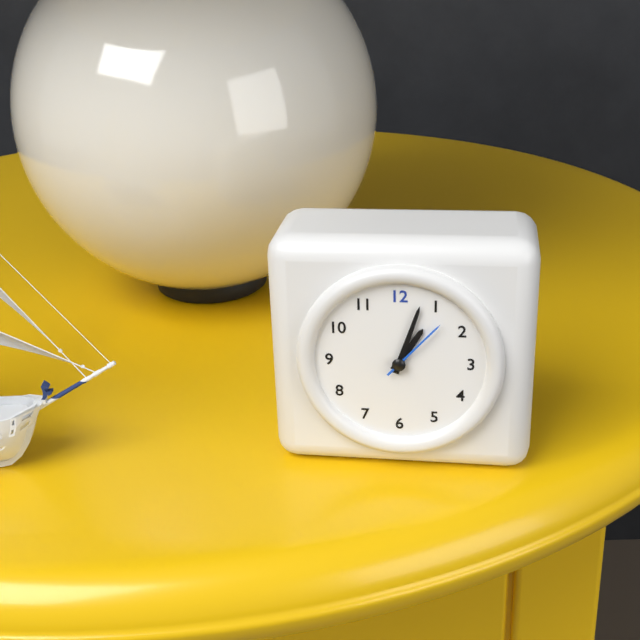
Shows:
1,03,07
